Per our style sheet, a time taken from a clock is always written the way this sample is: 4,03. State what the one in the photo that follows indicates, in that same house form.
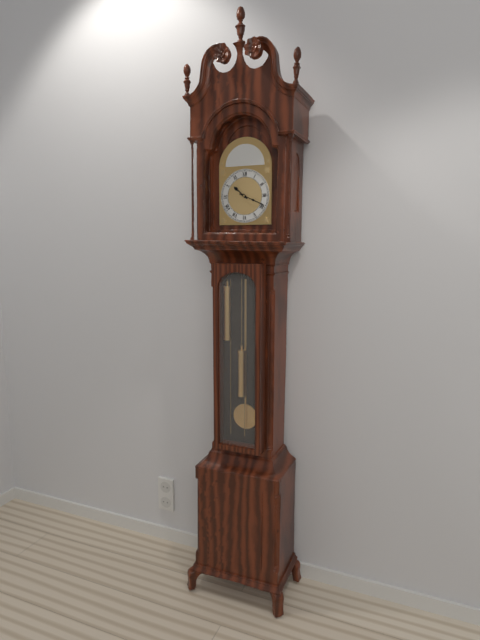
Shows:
10,19
